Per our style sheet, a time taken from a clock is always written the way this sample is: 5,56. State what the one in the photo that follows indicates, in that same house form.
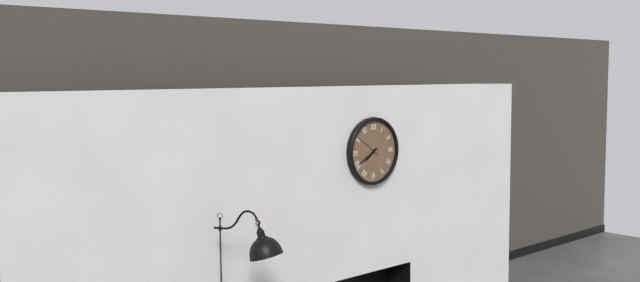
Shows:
7,40
